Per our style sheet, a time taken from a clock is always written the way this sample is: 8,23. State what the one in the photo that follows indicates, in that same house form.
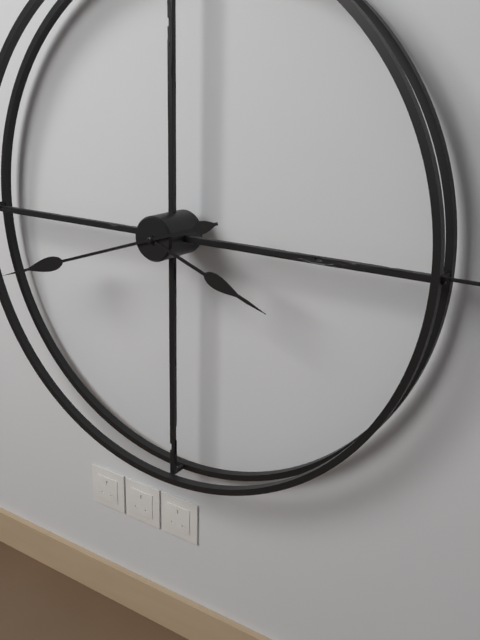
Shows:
3,42
